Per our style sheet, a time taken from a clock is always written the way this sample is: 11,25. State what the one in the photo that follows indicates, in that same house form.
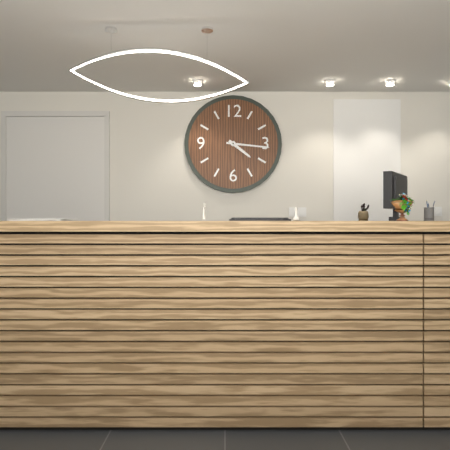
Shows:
4,16
